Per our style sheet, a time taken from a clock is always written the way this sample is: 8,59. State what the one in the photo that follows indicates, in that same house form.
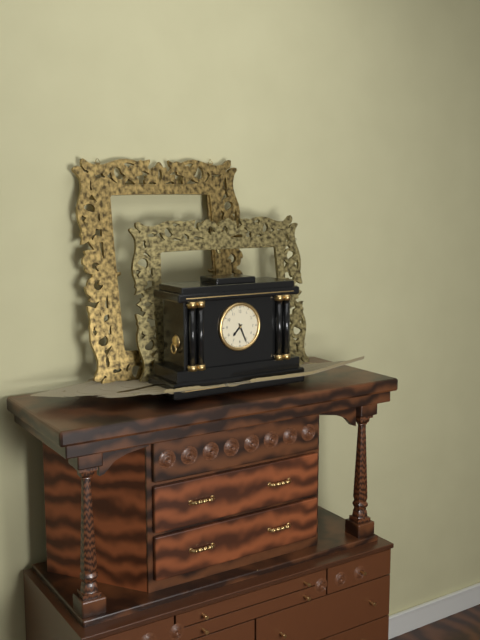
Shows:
7,26
